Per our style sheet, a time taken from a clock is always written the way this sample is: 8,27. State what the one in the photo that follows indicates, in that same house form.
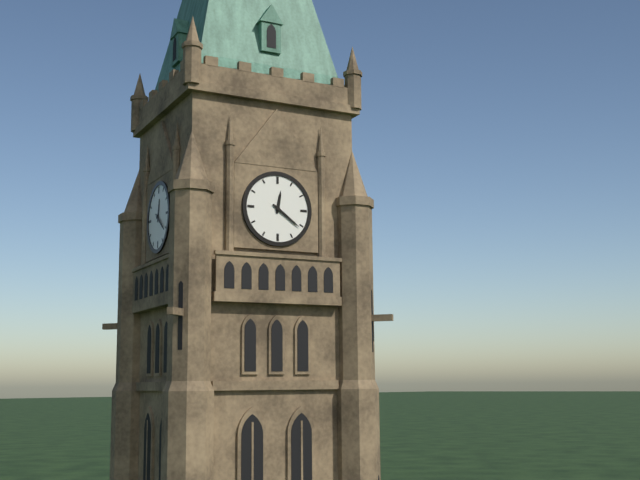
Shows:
12,21
